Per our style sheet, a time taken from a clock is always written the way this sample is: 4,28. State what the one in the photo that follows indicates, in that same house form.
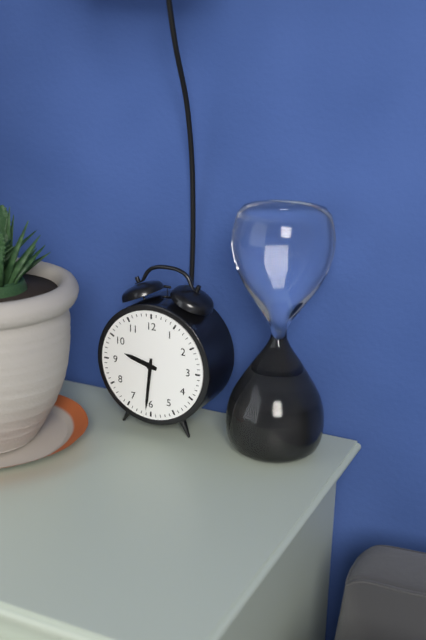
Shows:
9,31
